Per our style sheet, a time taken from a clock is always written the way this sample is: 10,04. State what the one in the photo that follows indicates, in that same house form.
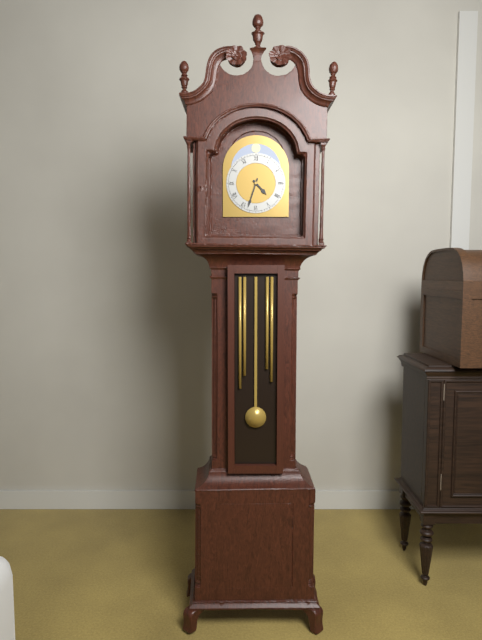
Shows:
4,33
